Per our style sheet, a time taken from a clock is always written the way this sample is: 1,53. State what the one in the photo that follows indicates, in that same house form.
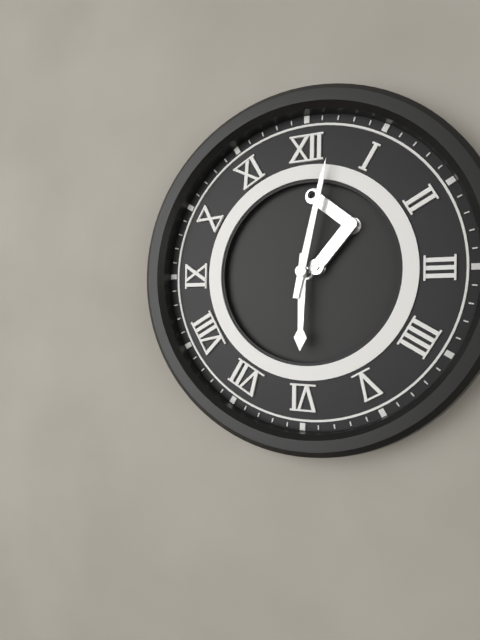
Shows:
6,02
